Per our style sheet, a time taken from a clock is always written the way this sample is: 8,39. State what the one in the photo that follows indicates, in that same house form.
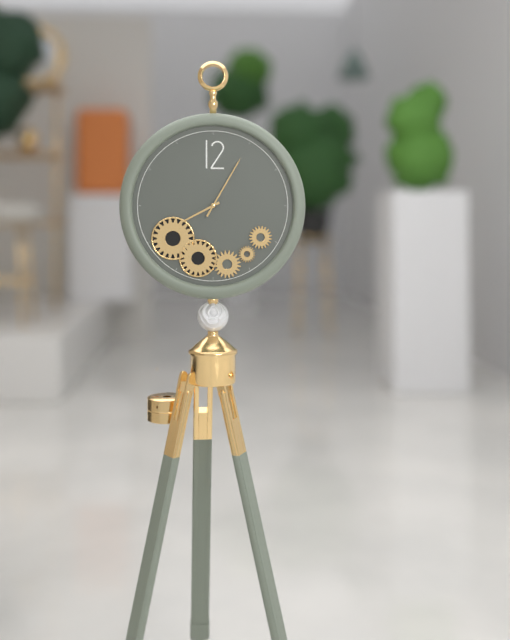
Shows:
8,05
